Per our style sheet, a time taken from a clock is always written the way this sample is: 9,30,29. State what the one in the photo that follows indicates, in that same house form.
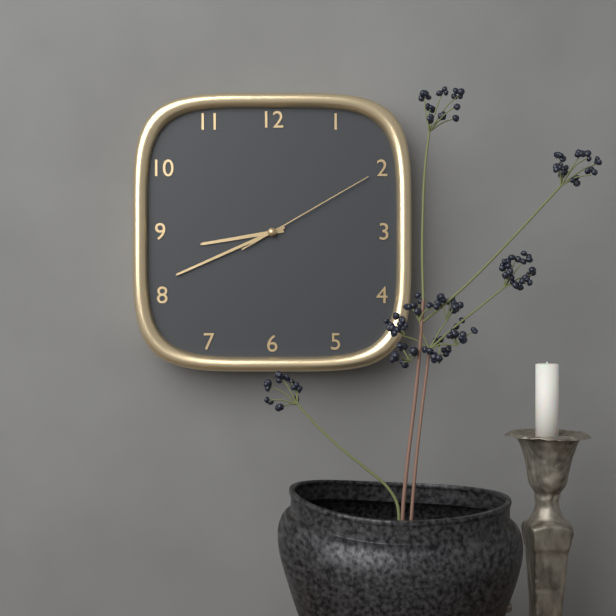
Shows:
8,41,10
